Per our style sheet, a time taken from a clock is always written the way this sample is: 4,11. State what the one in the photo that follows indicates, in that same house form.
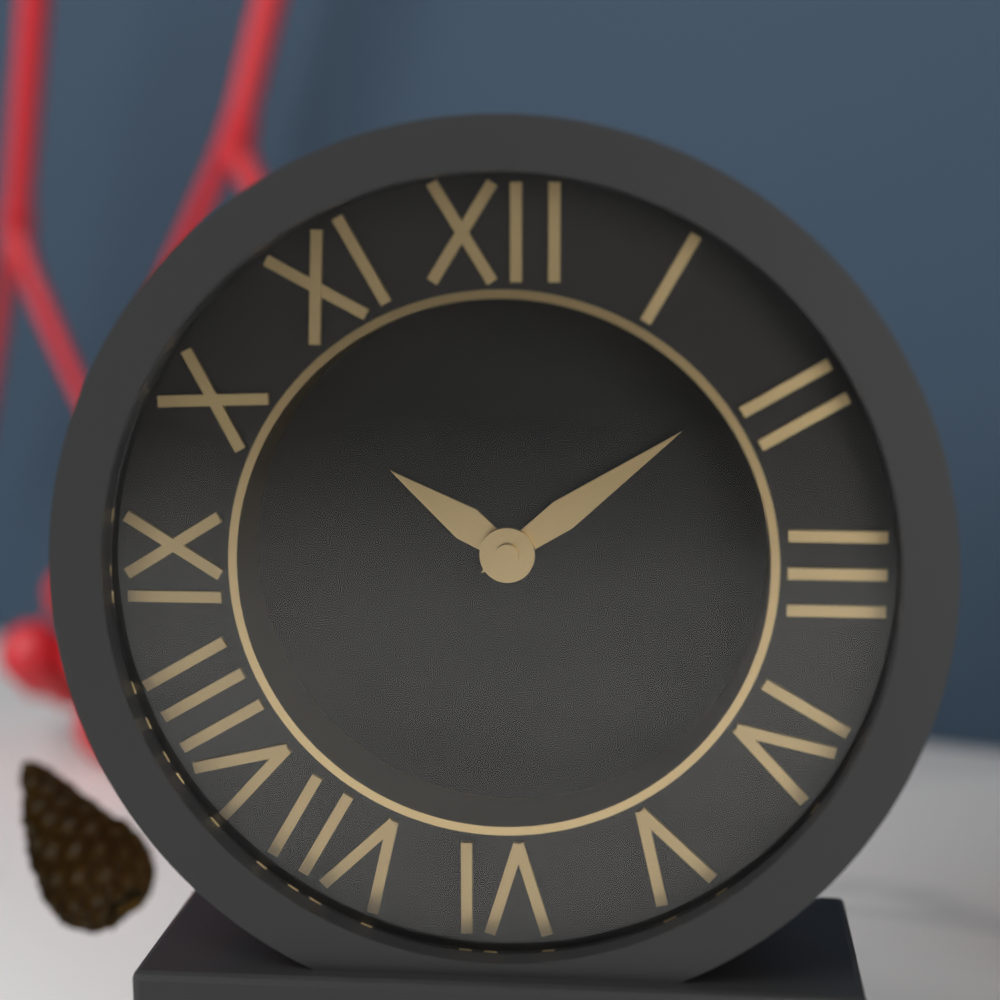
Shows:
10,09
